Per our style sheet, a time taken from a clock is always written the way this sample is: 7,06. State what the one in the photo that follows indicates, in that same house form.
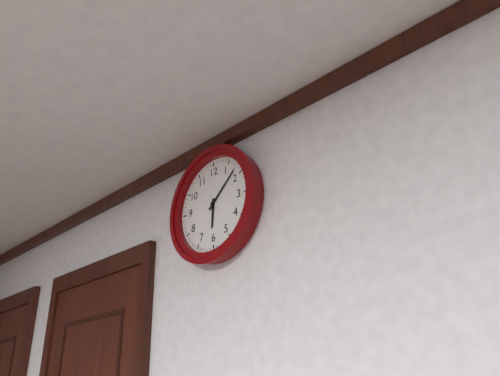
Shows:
6,08
